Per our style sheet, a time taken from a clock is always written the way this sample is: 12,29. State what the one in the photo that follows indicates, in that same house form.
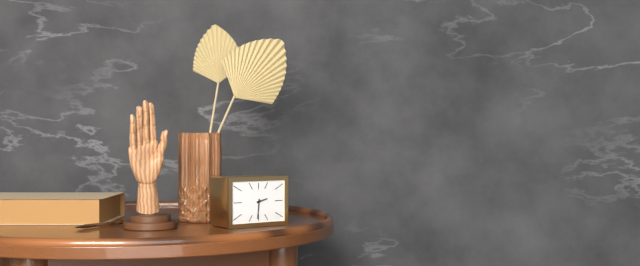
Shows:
2,31
